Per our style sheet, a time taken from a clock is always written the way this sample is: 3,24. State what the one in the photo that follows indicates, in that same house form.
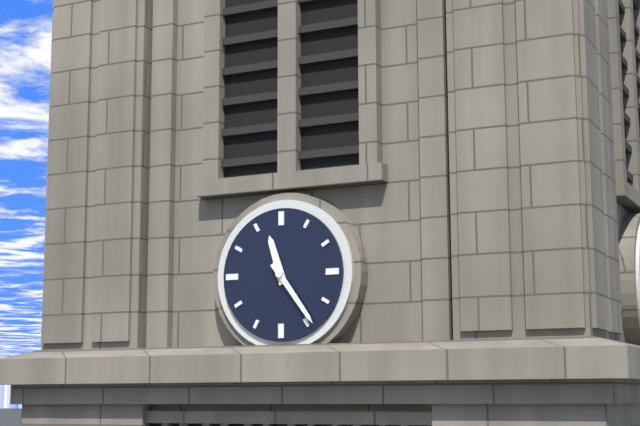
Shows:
11,24
